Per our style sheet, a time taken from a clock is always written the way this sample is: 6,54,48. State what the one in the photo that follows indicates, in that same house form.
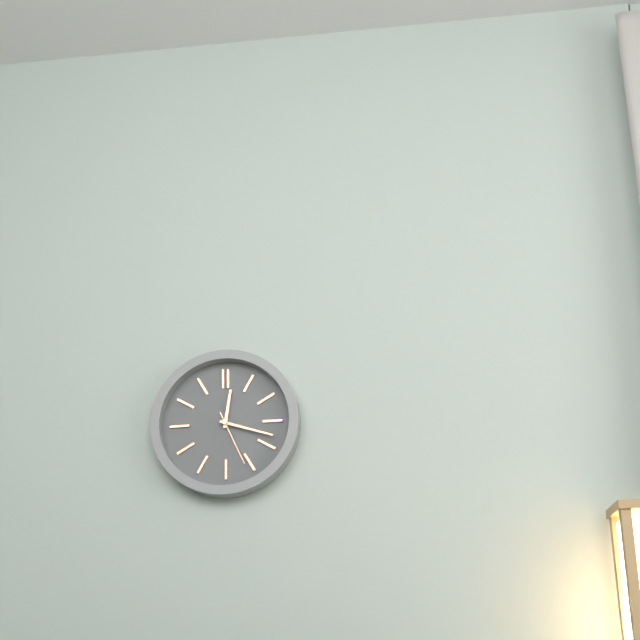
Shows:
12,18,26
